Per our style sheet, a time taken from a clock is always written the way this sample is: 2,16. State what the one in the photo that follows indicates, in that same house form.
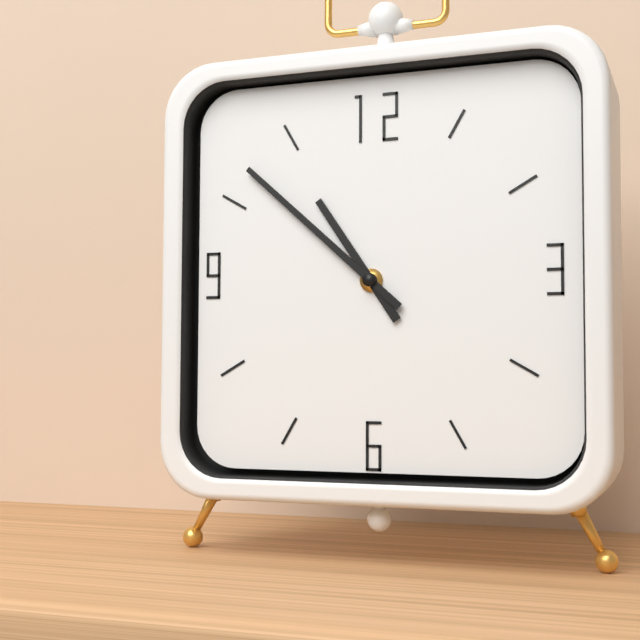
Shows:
10,52
